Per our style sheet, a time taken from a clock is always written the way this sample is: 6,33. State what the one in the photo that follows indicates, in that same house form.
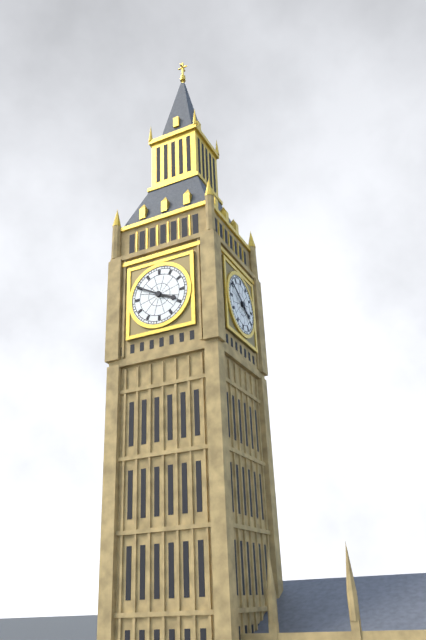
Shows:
3,50
